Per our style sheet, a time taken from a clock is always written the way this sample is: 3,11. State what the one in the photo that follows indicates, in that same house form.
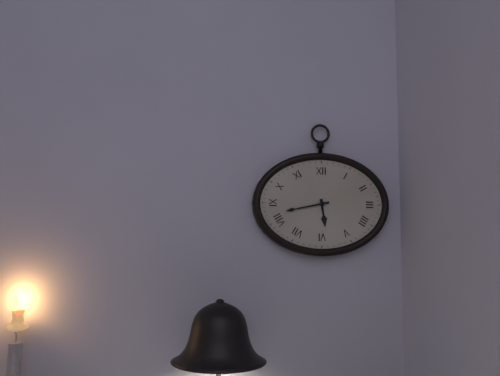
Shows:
5,43
